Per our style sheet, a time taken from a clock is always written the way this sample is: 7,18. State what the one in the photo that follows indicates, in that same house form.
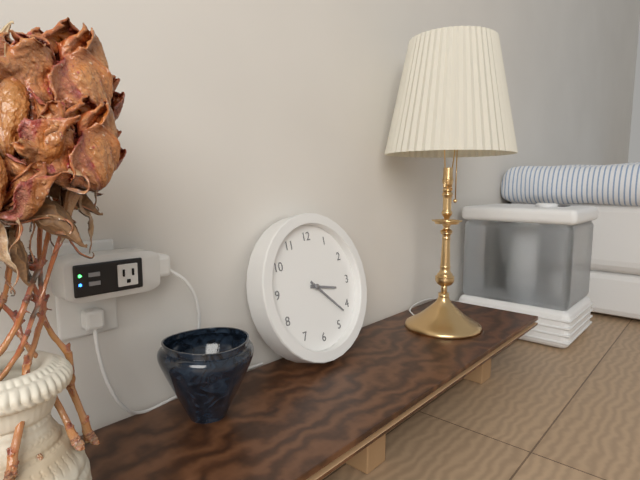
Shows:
3,22
